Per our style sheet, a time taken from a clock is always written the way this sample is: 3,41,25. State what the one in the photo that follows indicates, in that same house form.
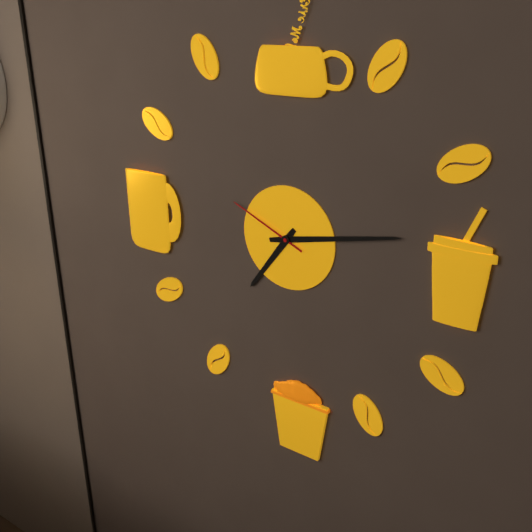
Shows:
7,13,49
